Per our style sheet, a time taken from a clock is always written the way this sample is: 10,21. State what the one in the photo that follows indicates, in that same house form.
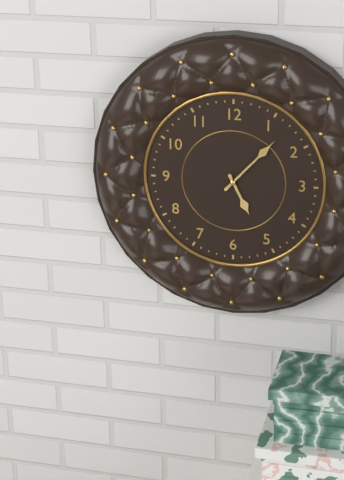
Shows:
5,07
